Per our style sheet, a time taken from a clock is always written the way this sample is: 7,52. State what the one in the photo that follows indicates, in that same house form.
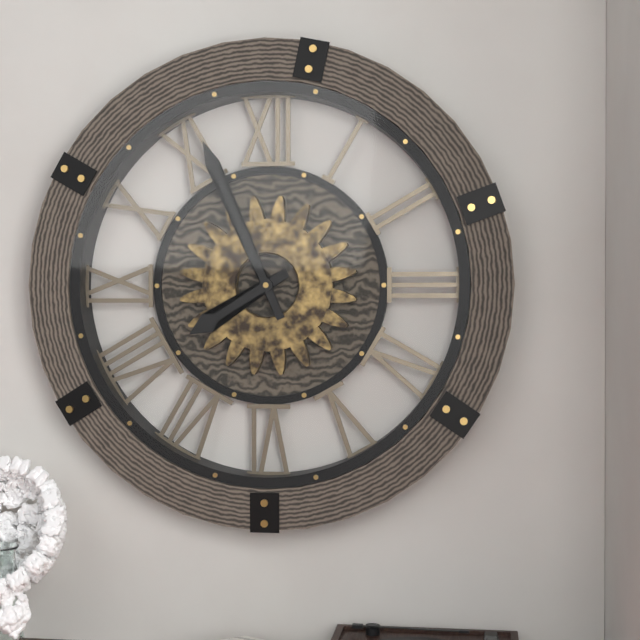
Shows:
7,56
